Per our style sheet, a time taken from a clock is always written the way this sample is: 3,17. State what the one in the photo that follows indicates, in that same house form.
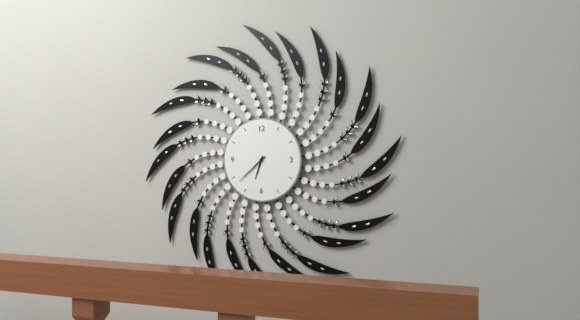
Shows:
6,38
